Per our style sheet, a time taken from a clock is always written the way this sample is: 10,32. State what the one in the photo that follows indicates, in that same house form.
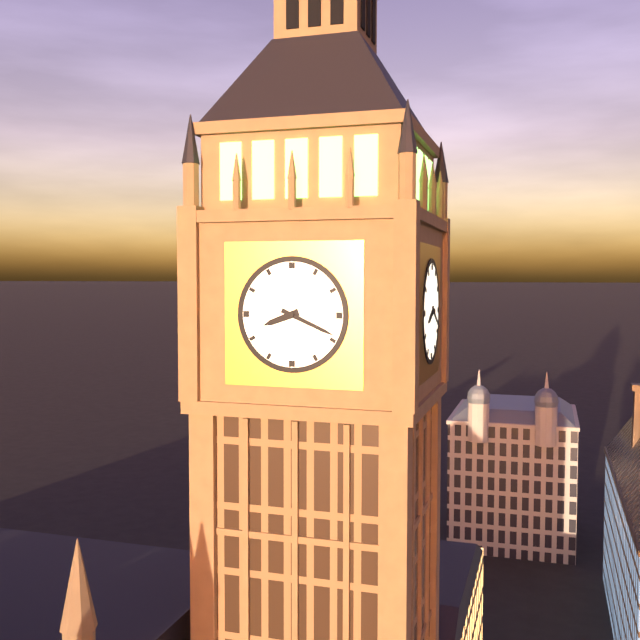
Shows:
8,19
